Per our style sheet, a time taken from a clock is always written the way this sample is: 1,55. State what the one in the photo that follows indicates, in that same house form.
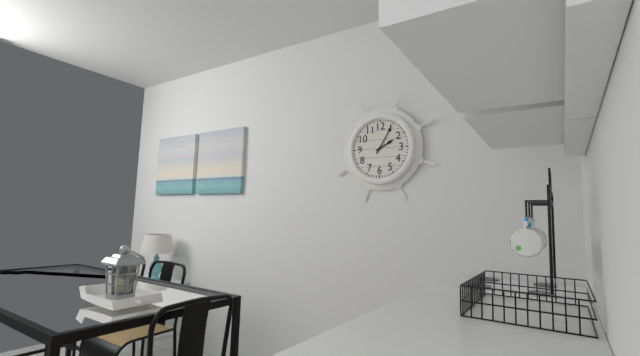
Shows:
2,05
